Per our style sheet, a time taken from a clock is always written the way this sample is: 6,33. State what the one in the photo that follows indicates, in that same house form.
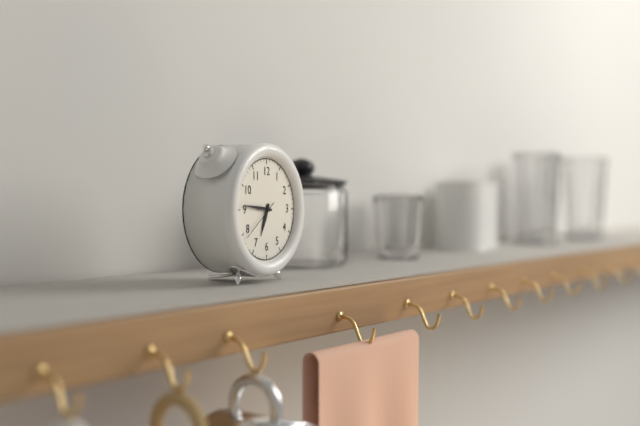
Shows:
6,46
